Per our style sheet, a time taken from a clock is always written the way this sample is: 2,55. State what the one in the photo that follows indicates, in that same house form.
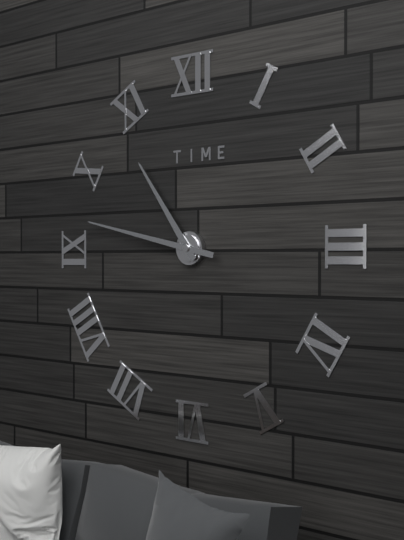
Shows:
10,47
